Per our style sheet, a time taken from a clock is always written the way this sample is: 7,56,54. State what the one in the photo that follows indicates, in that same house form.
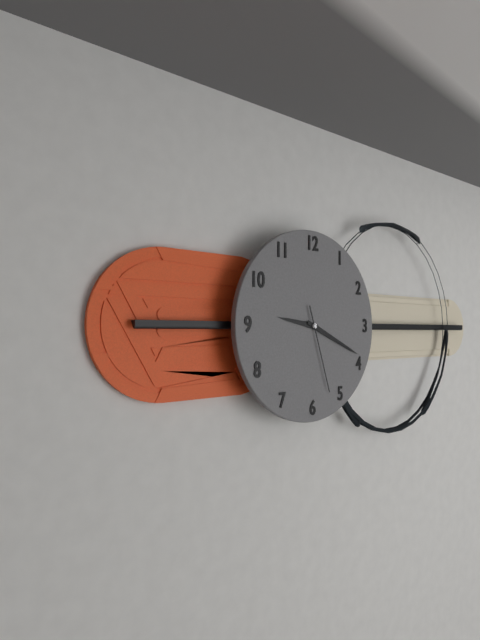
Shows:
9,19,27
